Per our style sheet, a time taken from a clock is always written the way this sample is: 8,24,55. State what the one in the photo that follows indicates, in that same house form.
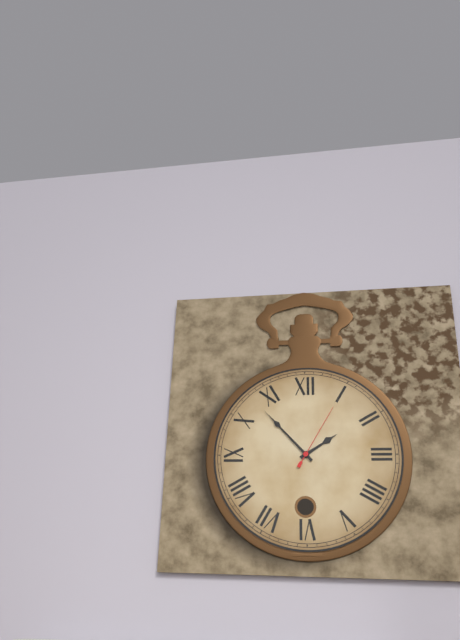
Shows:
1,53,05
